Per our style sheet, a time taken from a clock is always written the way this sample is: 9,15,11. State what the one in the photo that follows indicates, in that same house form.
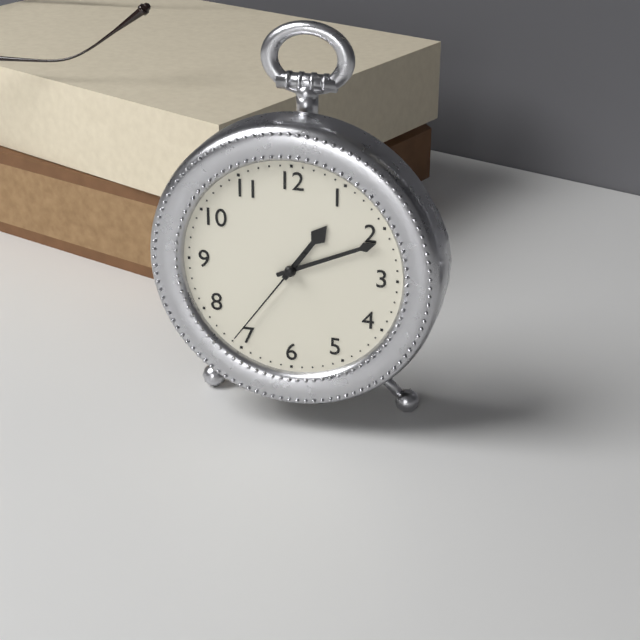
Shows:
1,11,36
